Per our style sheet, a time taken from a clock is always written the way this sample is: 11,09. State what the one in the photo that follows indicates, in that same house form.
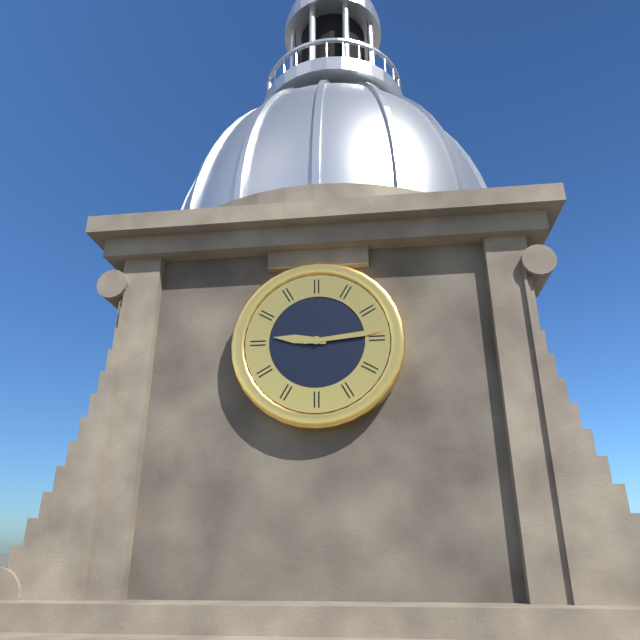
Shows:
9,14
